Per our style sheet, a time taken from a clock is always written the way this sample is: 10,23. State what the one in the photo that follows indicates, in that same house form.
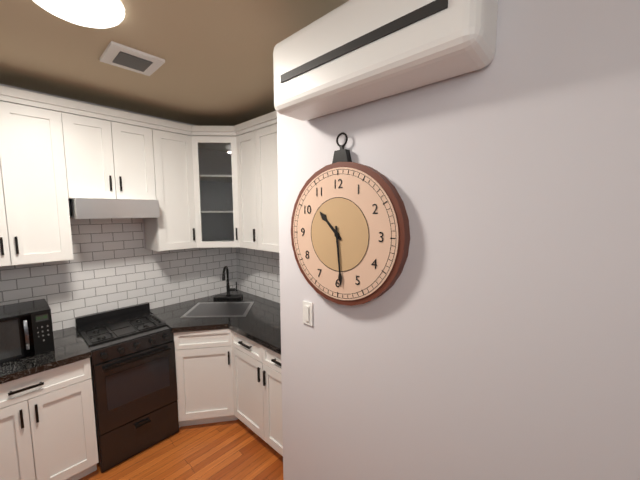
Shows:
10,29
